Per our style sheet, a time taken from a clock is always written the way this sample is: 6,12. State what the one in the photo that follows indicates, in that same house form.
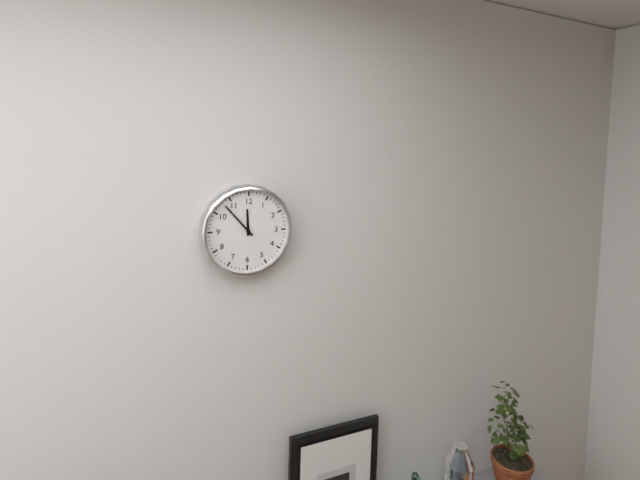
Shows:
11,53
